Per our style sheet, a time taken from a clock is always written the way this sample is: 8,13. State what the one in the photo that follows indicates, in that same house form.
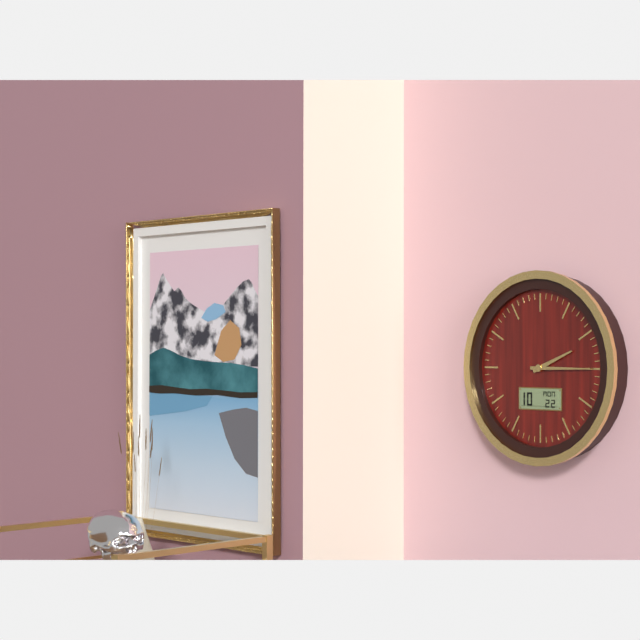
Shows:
2,15
